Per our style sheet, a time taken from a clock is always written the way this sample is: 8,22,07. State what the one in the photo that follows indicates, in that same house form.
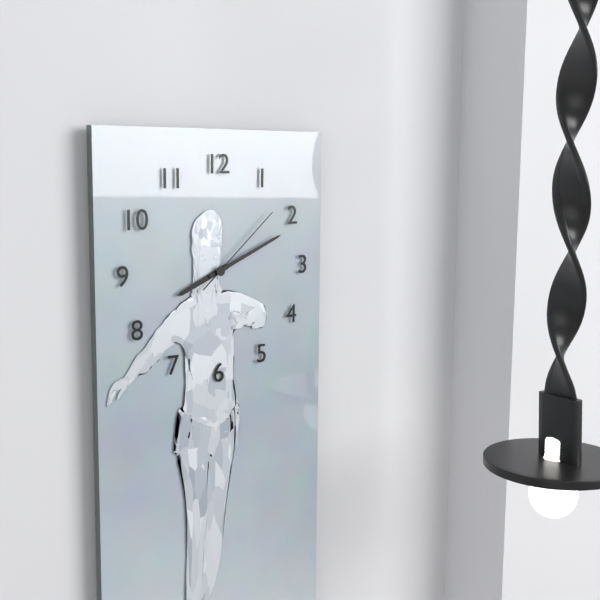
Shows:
8,11,08
